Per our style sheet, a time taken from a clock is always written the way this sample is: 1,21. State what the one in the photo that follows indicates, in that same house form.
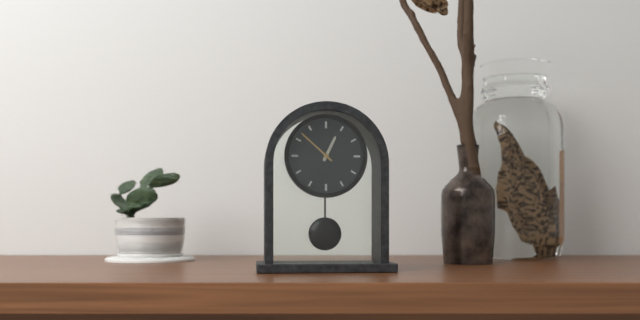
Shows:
12,52
